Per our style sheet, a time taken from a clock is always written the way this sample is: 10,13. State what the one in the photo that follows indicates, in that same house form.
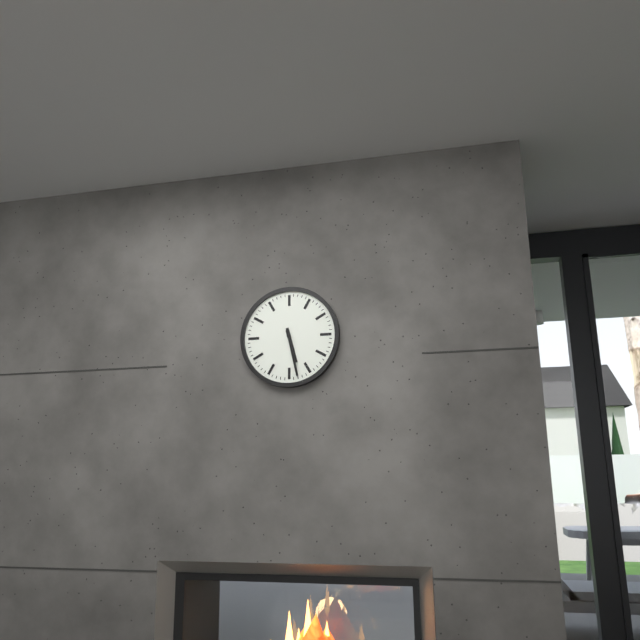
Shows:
5,28
